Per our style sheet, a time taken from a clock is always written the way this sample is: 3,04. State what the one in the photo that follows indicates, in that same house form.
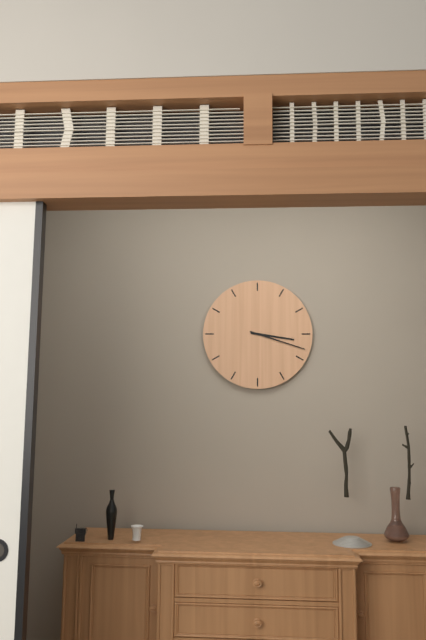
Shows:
3,18
